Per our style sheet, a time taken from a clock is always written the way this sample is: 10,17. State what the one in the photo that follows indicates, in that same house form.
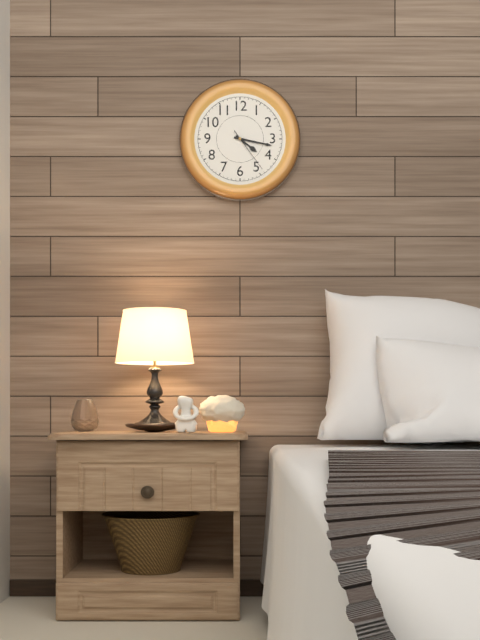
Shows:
4,17
